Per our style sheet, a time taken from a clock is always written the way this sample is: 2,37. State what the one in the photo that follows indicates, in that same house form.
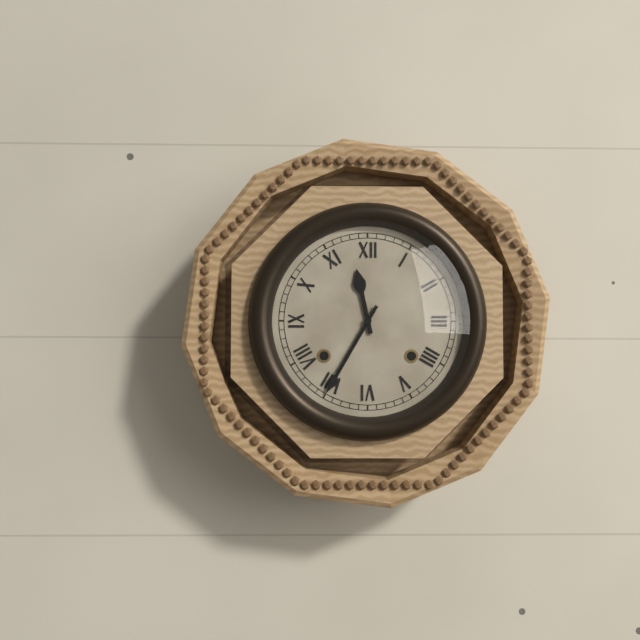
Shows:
11,35
